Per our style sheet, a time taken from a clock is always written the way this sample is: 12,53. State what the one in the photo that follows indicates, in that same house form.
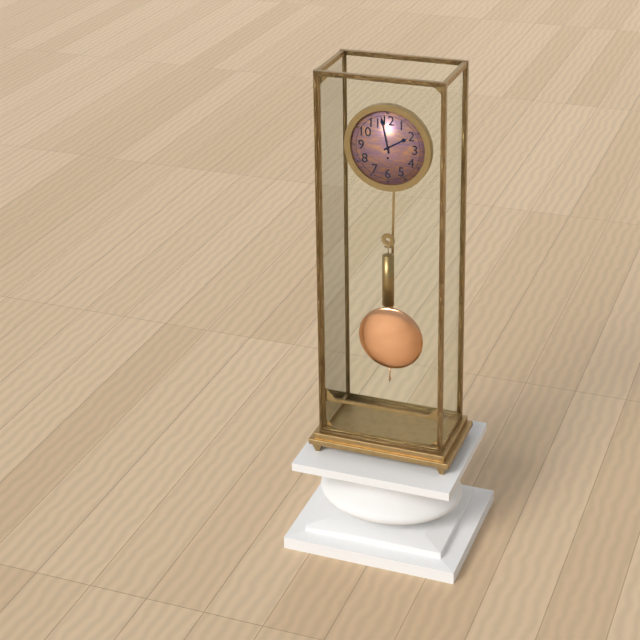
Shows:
1,58
